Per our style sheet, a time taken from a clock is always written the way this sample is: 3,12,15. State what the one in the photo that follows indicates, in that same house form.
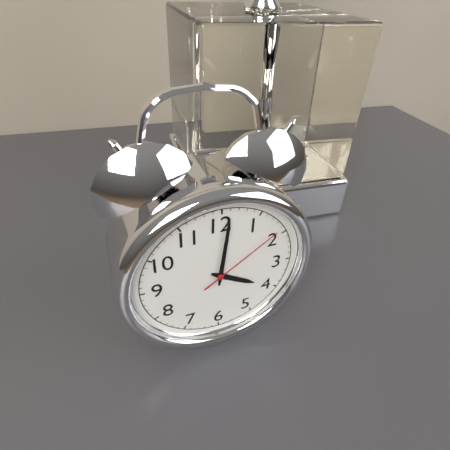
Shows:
4,01,09
